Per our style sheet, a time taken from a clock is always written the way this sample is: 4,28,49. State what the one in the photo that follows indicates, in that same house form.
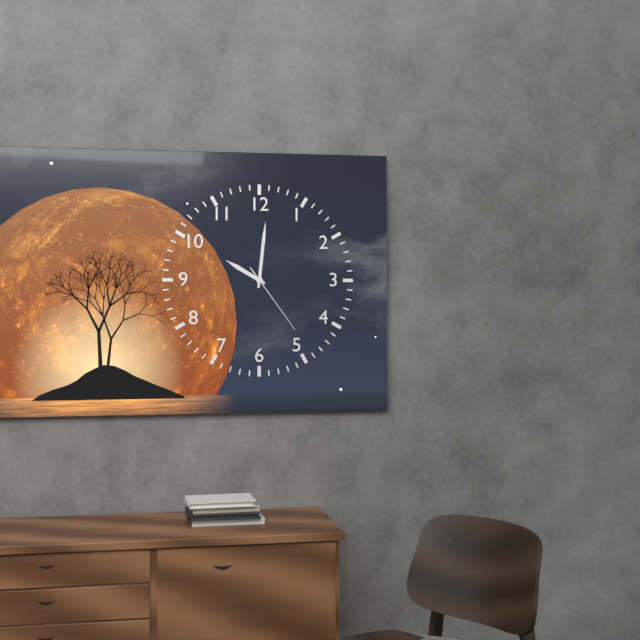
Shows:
10,01,24
